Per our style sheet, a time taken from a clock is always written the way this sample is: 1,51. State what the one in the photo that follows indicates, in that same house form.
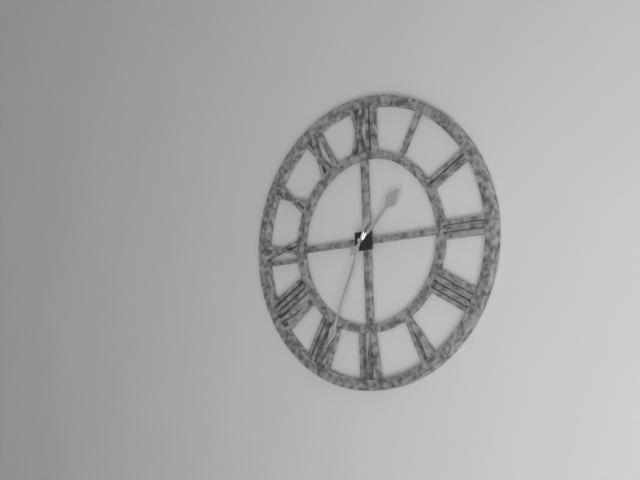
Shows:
1,34
